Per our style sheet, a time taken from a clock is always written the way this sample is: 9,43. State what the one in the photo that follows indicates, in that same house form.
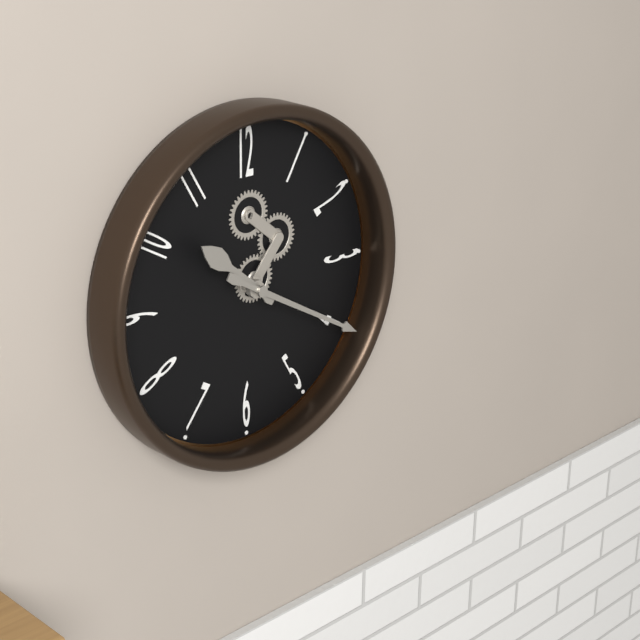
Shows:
10,20
